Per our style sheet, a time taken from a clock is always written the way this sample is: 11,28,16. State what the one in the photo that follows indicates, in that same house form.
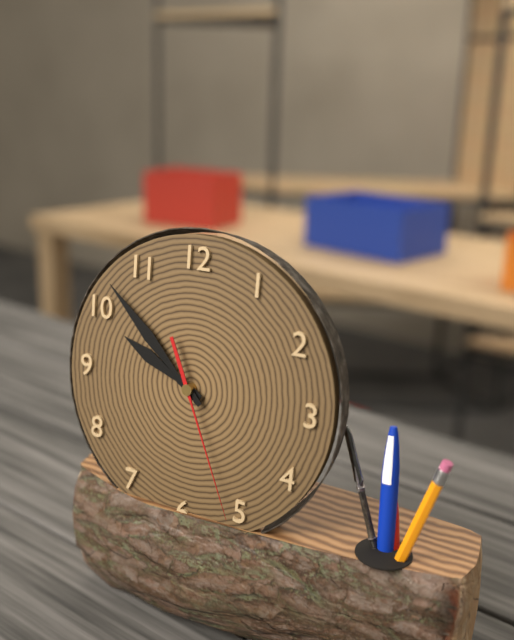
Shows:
9,52,26
